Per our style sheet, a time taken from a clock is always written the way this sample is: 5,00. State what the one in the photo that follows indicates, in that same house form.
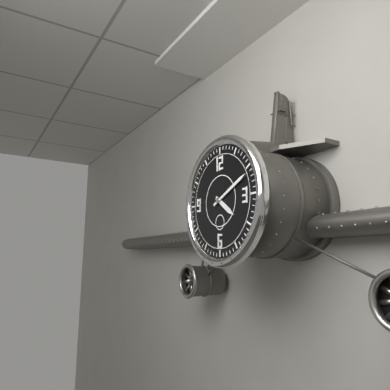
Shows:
4,11
